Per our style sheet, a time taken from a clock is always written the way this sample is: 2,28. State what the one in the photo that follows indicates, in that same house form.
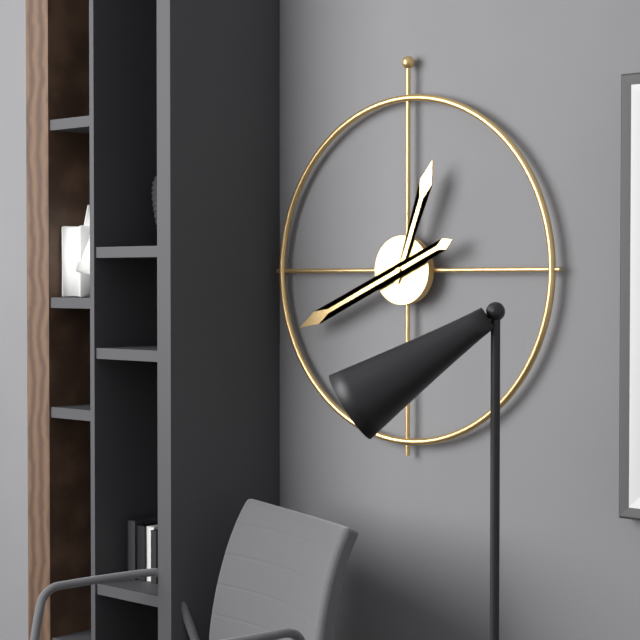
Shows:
12,41
